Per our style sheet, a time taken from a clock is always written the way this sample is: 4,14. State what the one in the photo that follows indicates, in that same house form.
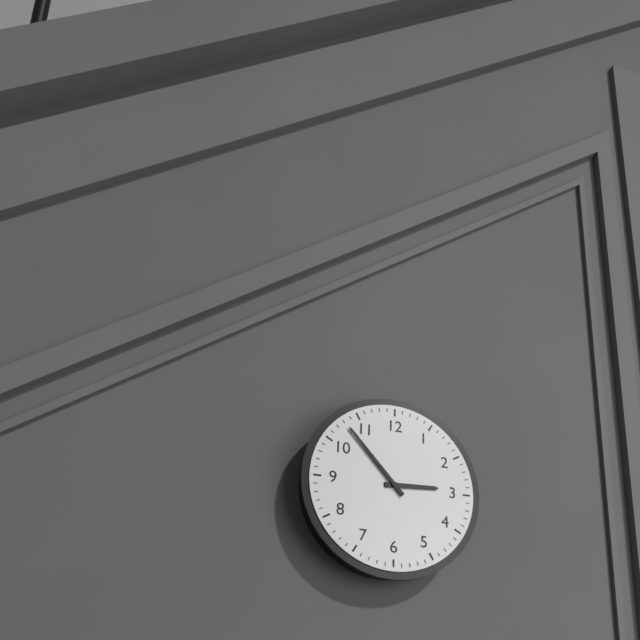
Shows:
2,53
